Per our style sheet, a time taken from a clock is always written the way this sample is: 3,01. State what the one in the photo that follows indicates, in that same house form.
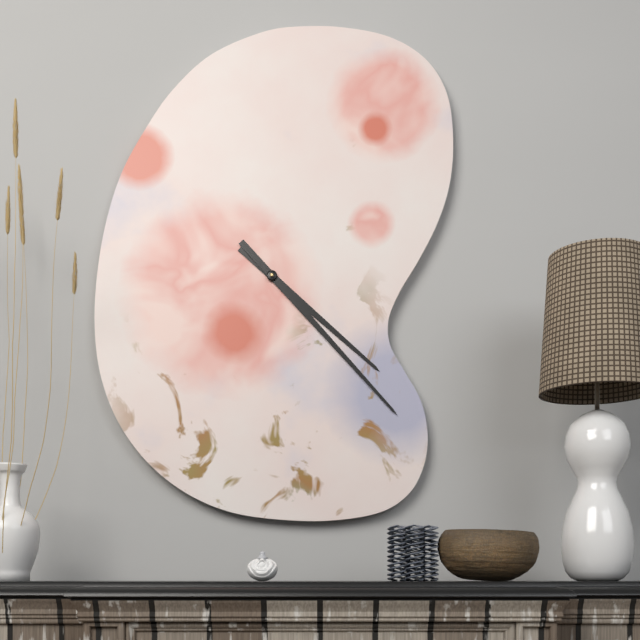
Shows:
4,23
